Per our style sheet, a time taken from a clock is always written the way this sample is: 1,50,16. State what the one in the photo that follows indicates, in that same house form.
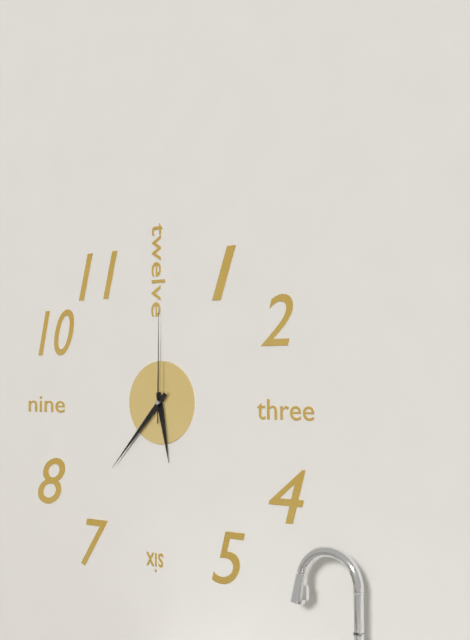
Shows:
5,37,00
